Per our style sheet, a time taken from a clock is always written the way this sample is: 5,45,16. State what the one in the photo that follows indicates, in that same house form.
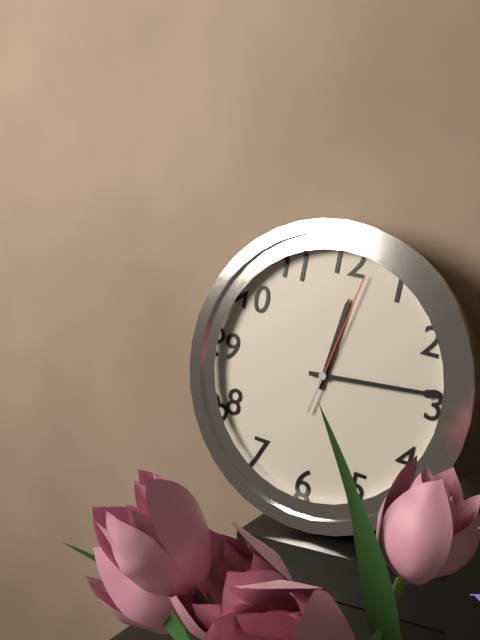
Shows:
12,14,02
